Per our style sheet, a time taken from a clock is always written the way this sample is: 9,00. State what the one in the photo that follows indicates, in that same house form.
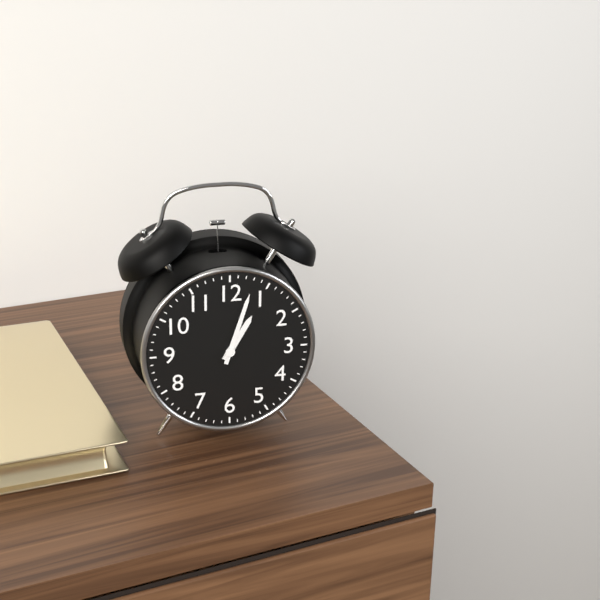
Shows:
1,03
